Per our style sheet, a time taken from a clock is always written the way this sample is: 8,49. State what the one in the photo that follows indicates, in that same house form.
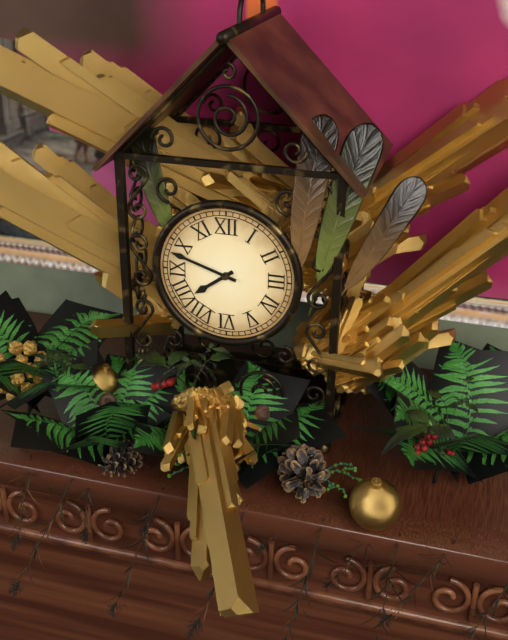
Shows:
7,48
